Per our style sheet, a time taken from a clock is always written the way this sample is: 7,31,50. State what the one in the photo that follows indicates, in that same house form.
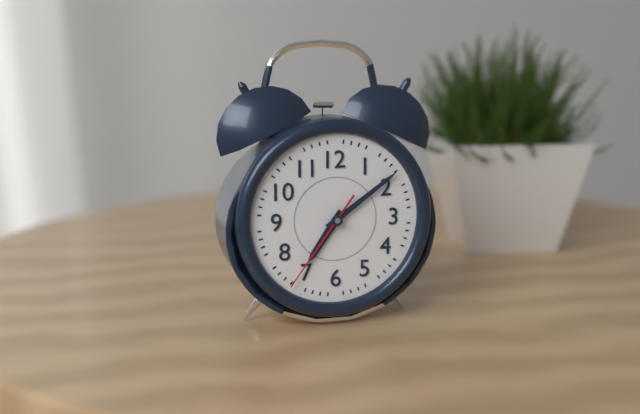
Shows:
7,09,36
